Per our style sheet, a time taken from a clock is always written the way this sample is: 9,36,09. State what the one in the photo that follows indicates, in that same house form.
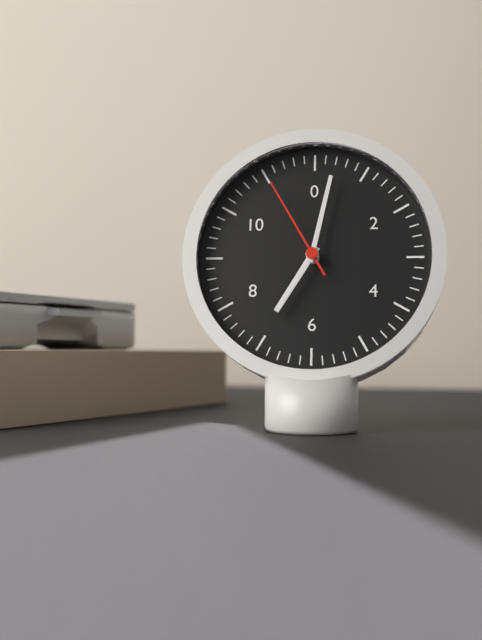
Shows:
7,02,55
